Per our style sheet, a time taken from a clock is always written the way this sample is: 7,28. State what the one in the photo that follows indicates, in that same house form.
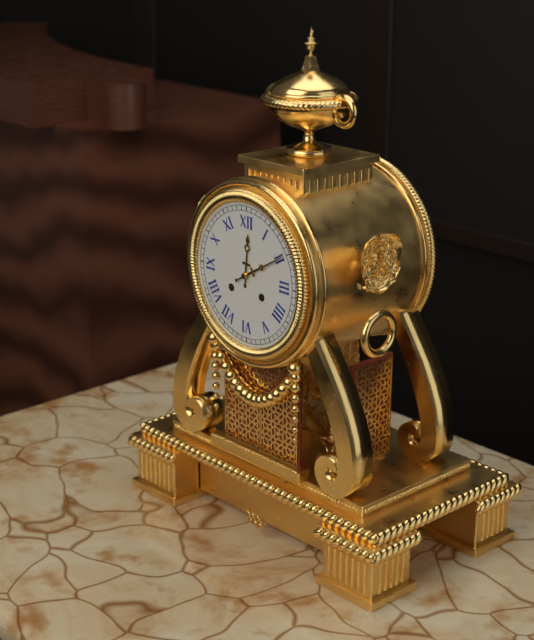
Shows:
12,10
